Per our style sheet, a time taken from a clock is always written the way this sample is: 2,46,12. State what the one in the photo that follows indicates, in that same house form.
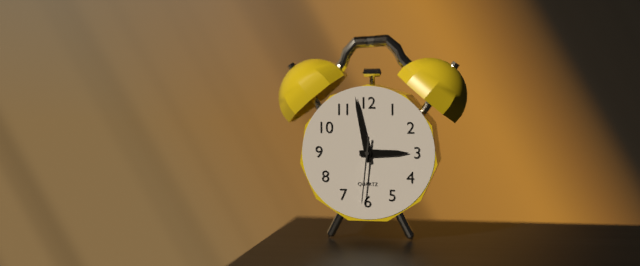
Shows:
2,58,31
